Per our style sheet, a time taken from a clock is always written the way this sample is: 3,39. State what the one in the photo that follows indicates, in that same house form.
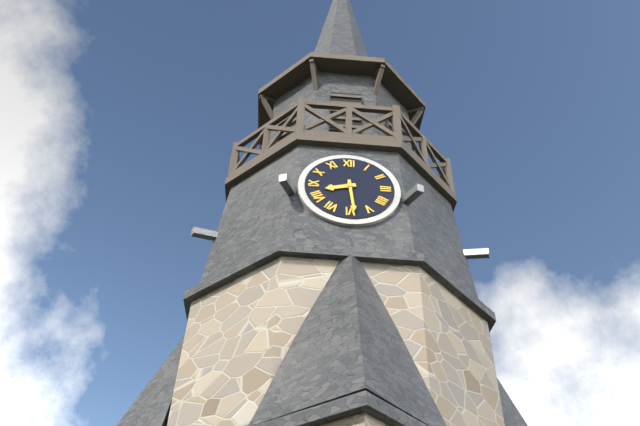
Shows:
8,29
